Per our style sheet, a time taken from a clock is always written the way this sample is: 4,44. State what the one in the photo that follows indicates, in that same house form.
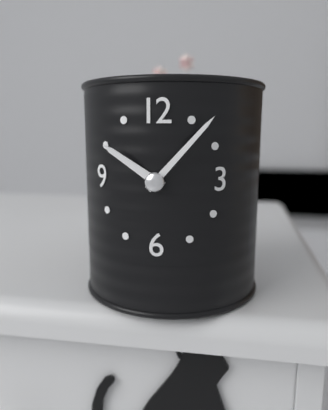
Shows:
10,07
